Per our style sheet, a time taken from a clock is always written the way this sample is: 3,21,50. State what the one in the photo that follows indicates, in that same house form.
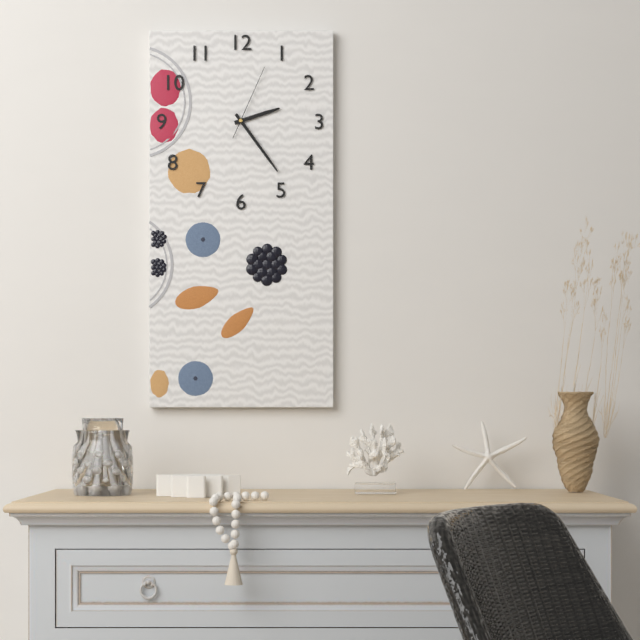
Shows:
2,24,04
